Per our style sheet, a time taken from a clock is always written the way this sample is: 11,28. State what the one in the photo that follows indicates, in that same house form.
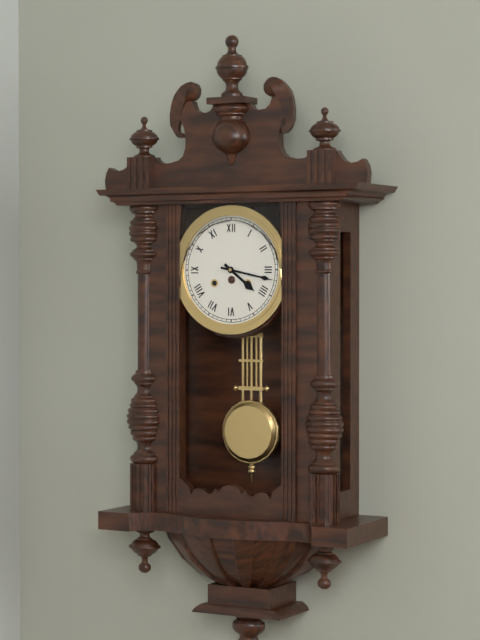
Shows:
4,17
